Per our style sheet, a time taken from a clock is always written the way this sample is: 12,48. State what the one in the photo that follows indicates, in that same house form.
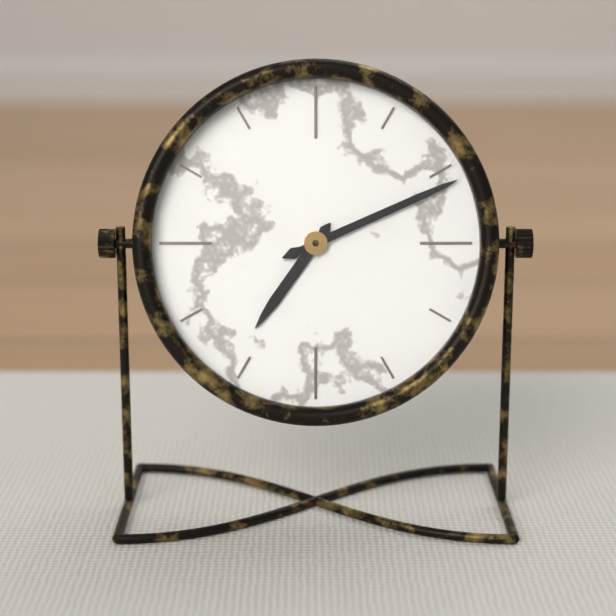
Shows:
7,11
